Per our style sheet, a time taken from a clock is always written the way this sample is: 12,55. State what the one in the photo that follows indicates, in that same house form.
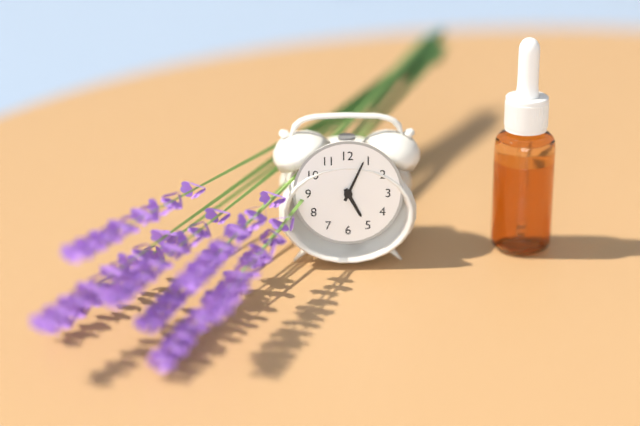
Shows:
5,04
